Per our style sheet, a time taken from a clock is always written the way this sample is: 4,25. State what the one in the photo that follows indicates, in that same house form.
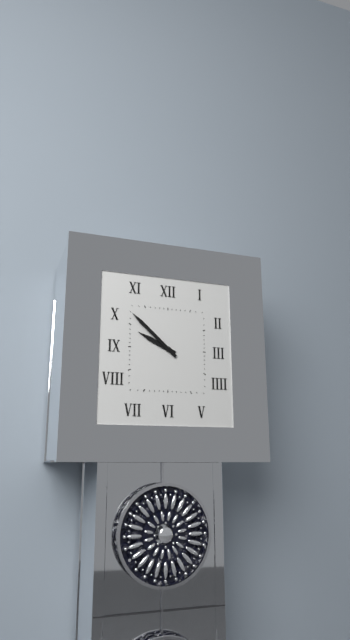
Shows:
9,52
